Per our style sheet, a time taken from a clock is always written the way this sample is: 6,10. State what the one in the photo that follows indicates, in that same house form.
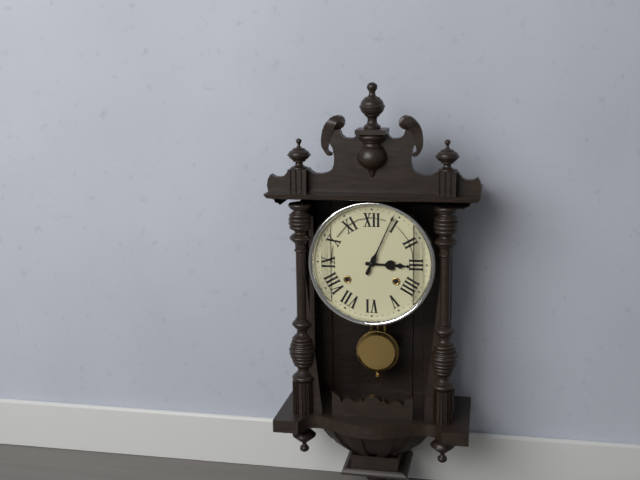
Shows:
3,04
